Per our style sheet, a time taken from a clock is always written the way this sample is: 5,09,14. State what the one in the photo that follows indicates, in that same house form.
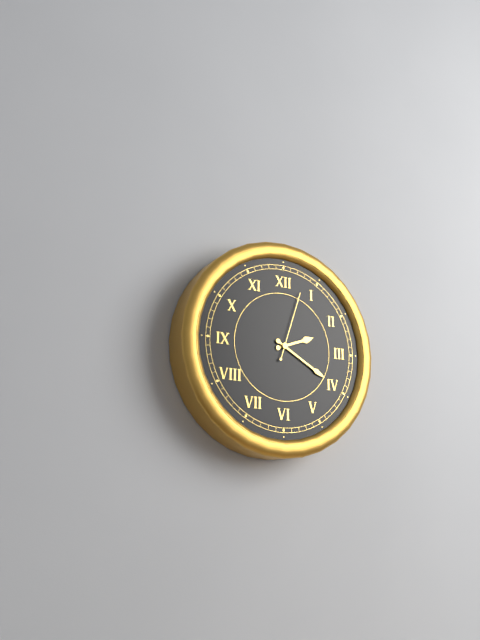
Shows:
2,20,03
